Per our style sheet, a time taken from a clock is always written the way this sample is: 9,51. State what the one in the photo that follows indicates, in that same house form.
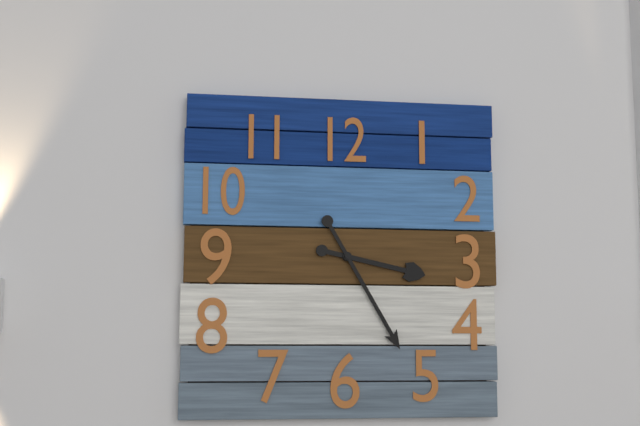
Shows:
3,25
